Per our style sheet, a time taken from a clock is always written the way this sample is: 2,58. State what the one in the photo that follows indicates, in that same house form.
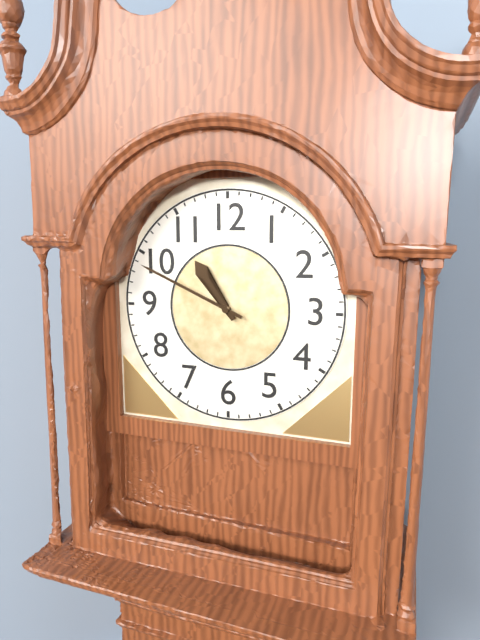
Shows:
10,49
